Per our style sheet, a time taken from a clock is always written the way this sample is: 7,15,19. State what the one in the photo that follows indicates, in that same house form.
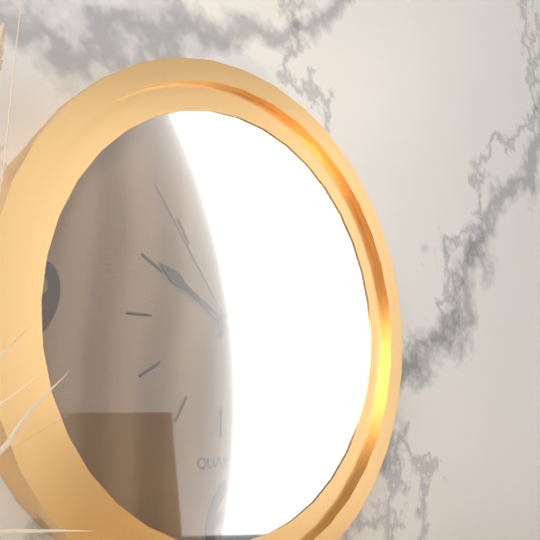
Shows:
10,04,54
